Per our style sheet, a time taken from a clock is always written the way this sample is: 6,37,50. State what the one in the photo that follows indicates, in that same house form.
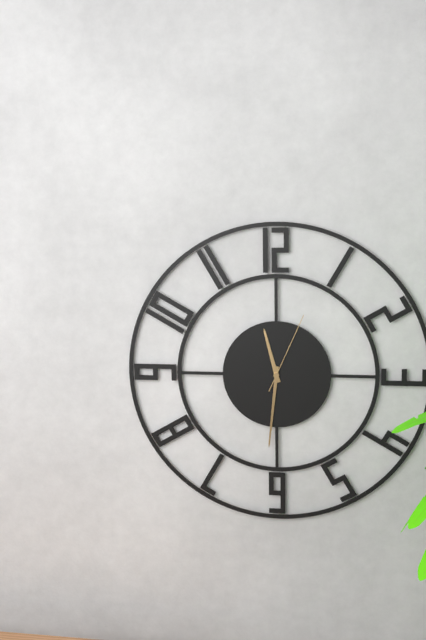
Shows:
11,31,04
